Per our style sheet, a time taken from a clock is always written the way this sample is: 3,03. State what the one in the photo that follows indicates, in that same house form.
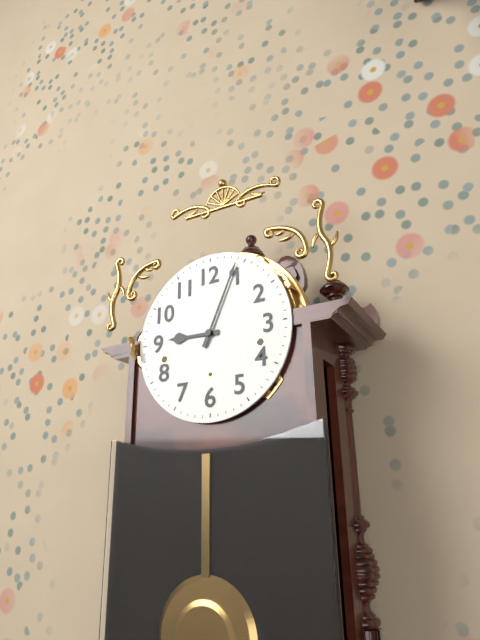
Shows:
9,04
